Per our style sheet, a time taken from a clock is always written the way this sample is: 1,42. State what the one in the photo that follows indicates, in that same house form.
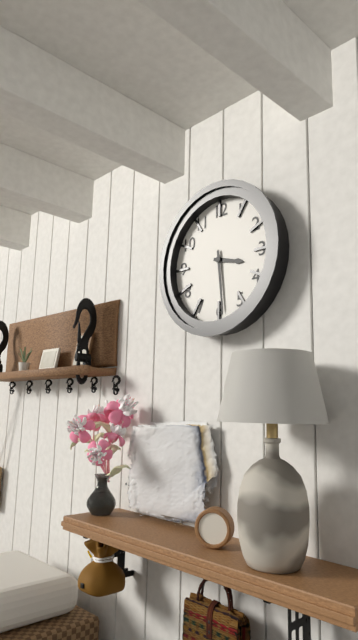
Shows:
3,29
